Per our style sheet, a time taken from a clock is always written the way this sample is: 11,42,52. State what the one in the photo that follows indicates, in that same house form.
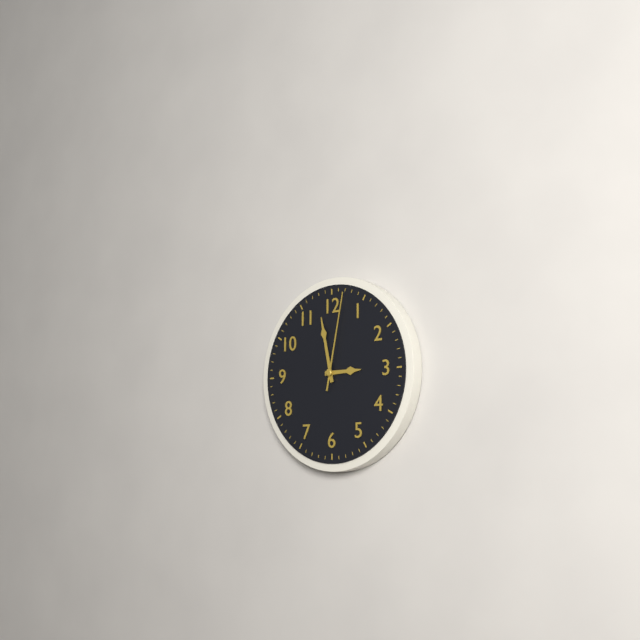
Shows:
2,58,02
